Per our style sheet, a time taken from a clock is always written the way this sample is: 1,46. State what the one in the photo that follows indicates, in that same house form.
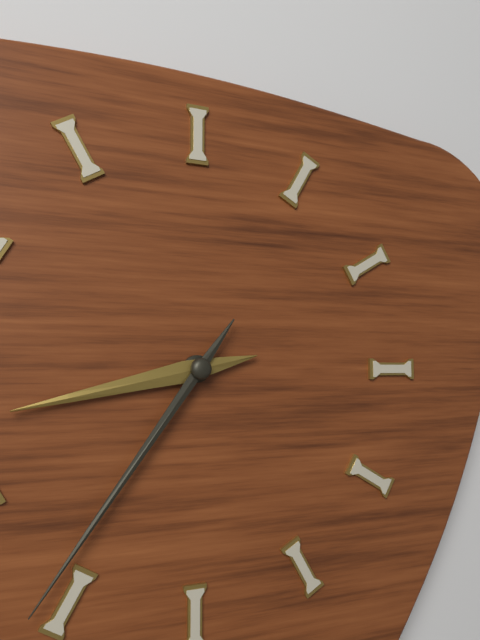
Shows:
8,36
